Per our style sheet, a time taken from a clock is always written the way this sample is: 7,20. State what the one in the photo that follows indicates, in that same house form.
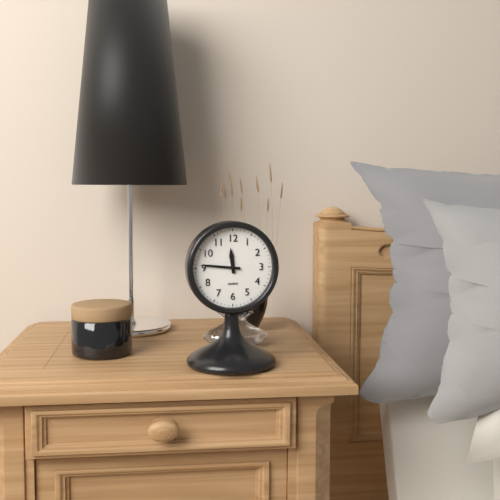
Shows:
11,46
